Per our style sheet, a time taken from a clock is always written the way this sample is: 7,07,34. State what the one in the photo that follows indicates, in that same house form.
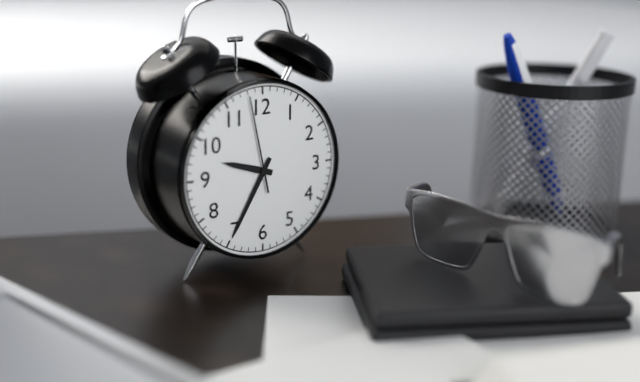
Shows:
9,35,58
